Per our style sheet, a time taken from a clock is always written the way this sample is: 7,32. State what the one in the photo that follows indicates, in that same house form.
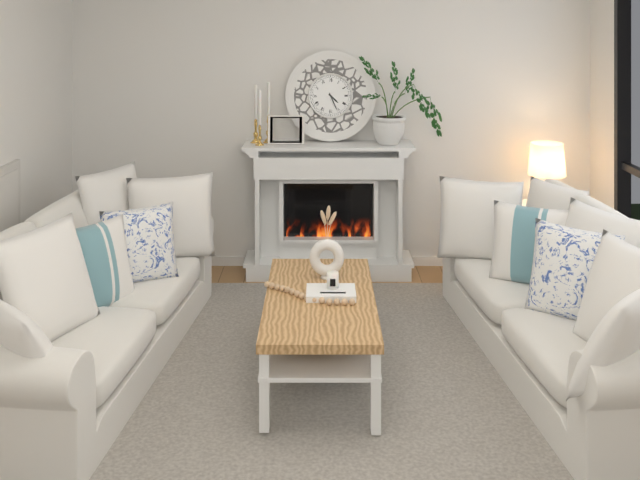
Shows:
4,26
